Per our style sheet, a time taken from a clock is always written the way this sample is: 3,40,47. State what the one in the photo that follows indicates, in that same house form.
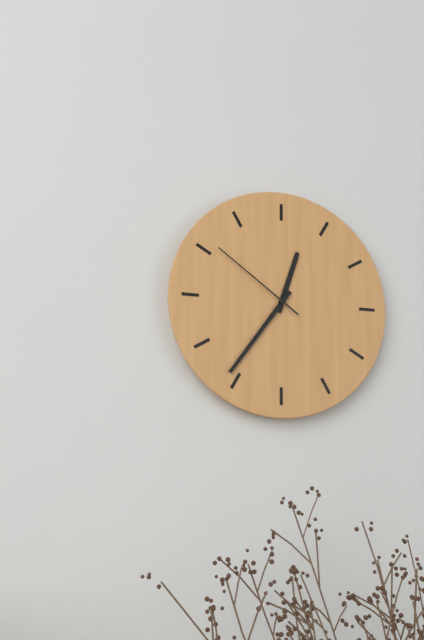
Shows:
12,36,51
